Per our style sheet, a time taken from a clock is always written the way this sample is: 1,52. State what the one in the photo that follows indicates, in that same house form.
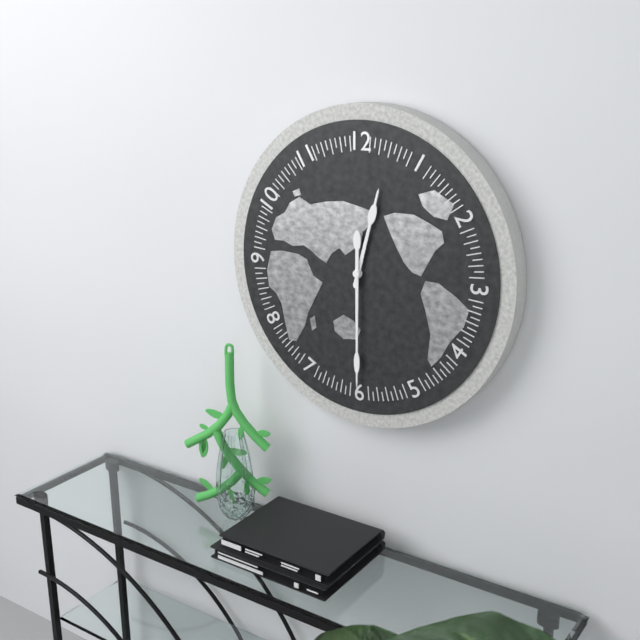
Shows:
12,30
